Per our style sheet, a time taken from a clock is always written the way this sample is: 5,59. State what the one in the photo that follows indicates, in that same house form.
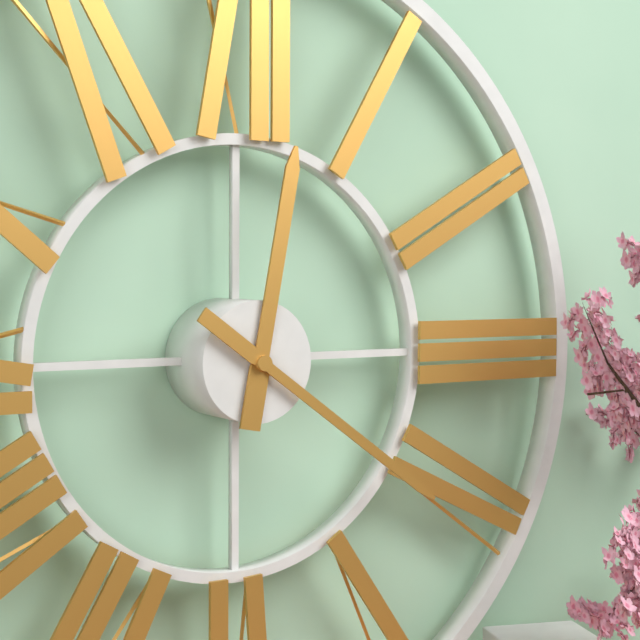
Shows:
12,21
